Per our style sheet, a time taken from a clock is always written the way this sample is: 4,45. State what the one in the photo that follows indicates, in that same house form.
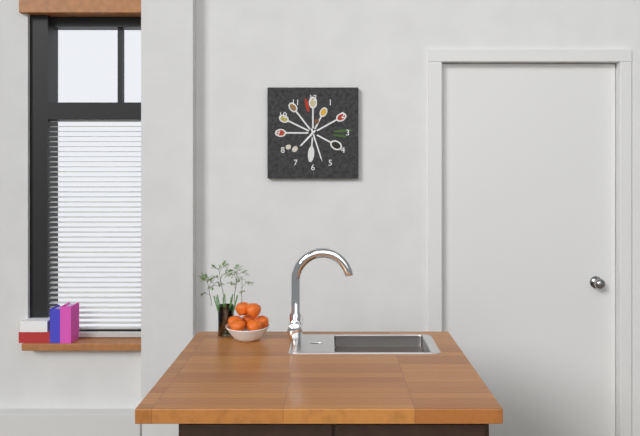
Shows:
7,27
